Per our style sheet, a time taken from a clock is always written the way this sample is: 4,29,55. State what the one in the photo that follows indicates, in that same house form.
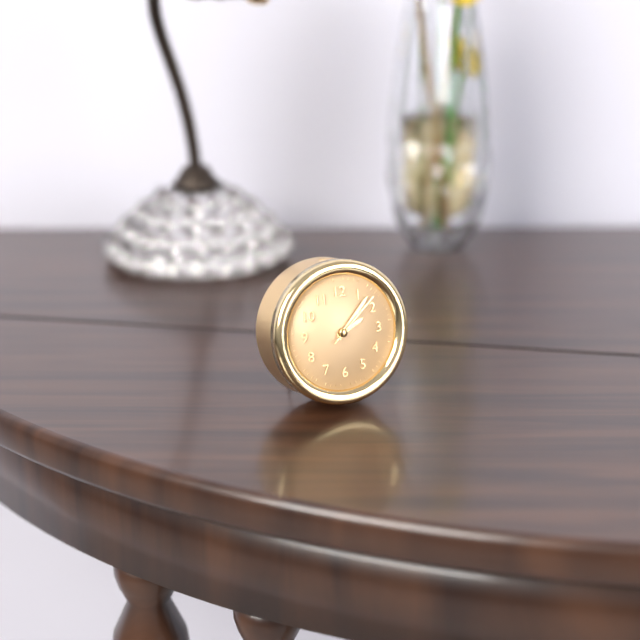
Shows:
2,07,08
